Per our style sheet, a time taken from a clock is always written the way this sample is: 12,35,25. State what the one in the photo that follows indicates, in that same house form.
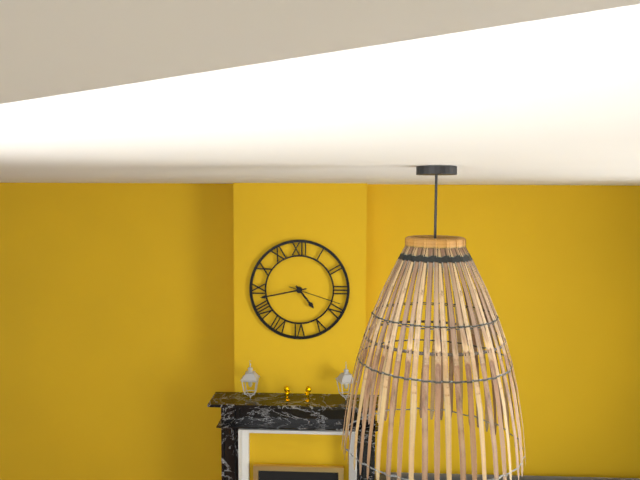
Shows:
4,43,18
